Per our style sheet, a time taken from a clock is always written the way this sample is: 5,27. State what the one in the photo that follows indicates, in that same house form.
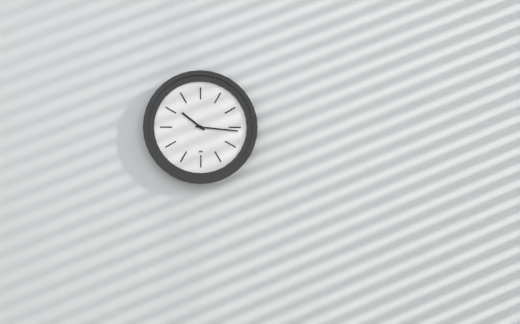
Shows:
10,16
